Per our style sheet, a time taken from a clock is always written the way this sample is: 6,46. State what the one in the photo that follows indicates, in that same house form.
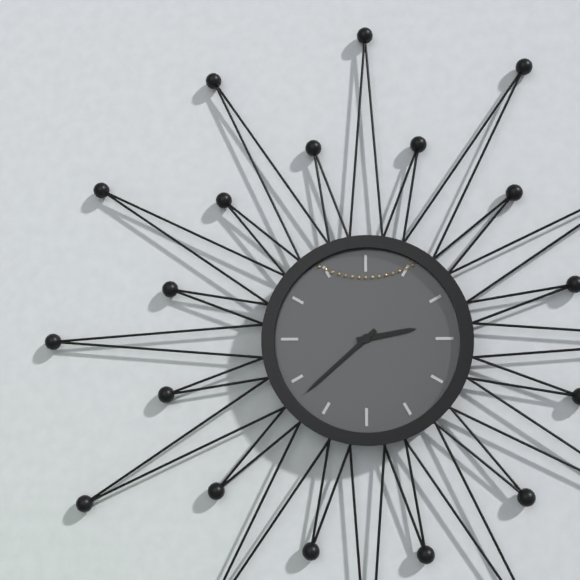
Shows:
2,38
